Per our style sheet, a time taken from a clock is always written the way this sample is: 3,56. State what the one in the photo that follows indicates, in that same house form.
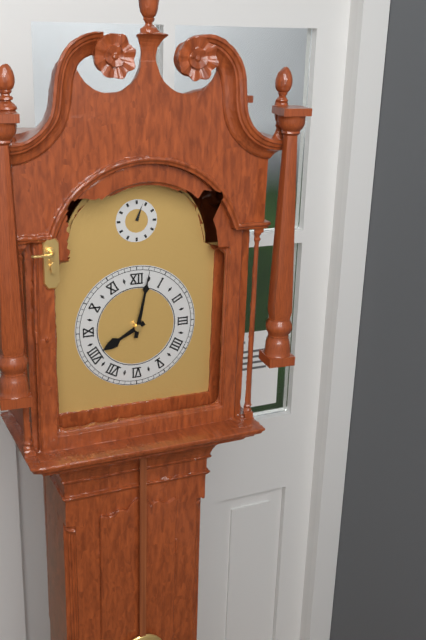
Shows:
8,02
